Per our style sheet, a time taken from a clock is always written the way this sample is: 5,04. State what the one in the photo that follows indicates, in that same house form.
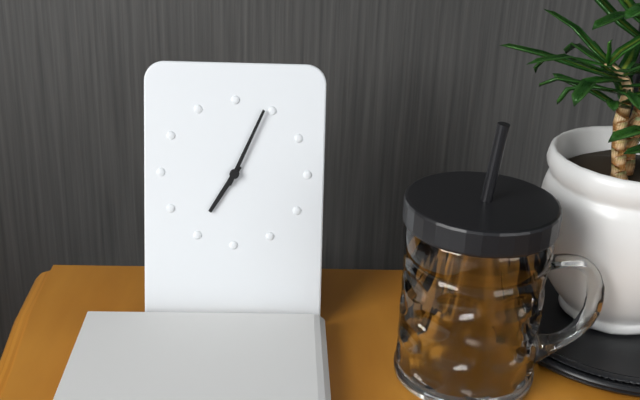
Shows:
7,04
